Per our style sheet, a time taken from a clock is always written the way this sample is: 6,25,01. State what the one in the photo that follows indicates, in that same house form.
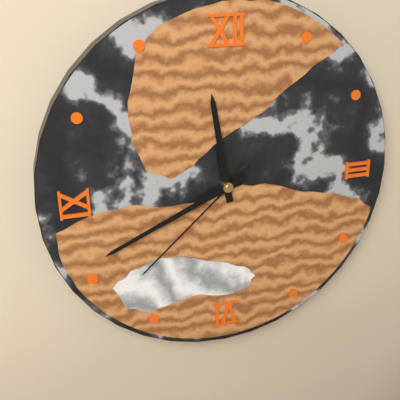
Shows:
11,41,38
